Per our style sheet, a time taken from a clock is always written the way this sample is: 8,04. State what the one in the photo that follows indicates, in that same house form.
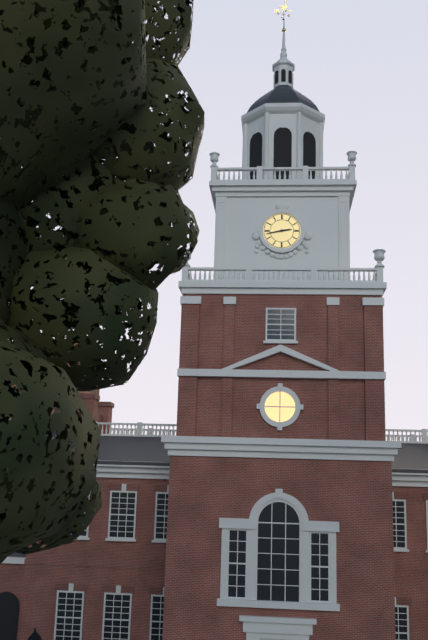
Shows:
2,43
